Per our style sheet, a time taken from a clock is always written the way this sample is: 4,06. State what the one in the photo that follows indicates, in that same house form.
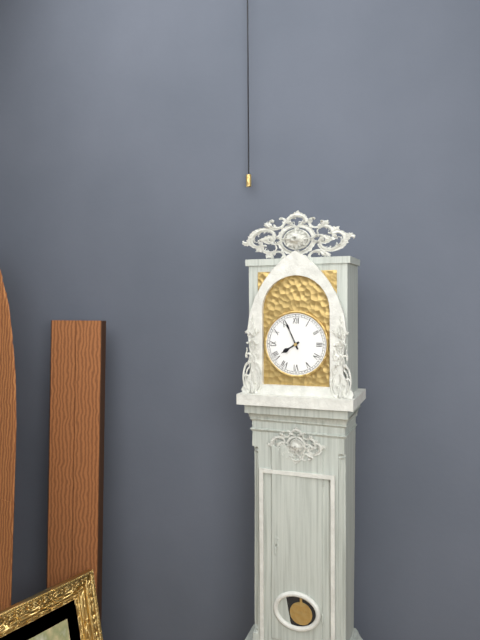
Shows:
7,56
